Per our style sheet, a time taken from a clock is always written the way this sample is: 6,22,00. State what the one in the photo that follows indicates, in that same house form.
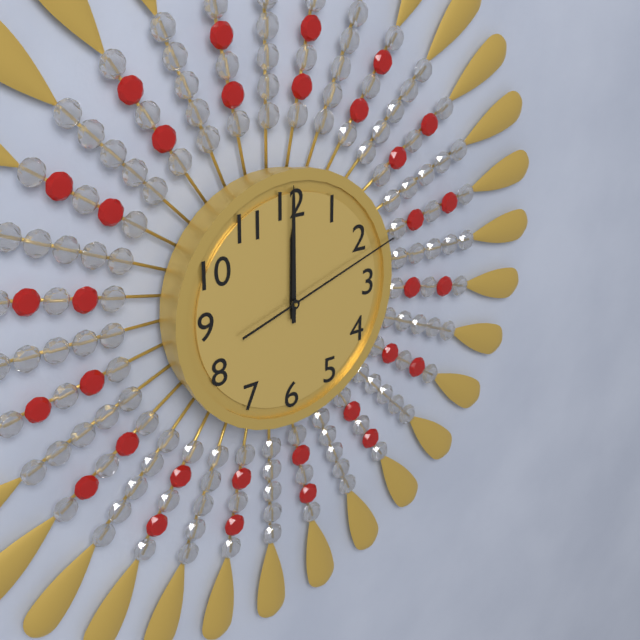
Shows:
12,00,12
